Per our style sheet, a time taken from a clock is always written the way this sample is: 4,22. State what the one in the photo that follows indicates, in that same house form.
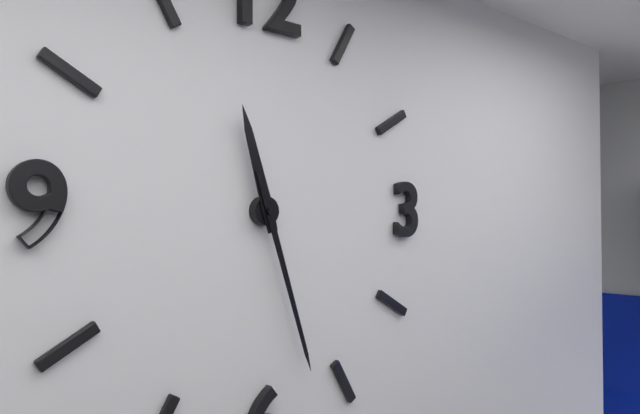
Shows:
11,27
